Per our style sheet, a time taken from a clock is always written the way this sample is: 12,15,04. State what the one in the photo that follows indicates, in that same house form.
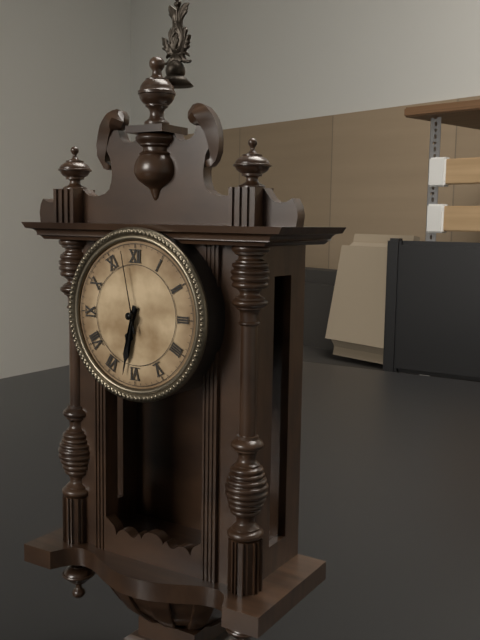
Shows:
6,32,58
